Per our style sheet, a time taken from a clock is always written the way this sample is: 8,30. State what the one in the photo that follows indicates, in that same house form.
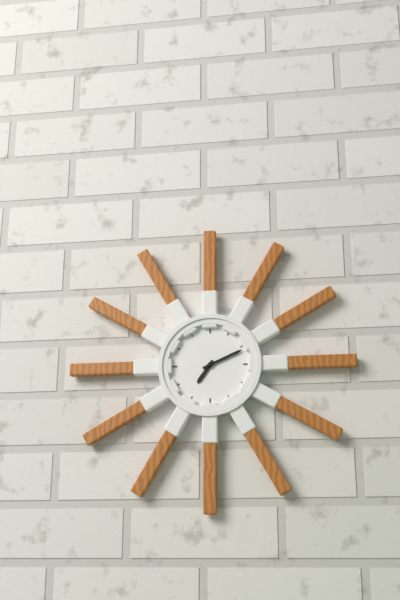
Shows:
7,11
